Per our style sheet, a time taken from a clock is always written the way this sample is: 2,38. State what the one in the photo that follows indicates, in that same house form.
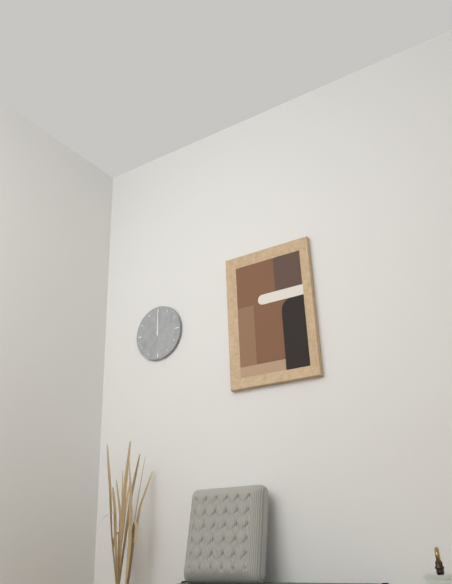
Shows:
12,00
